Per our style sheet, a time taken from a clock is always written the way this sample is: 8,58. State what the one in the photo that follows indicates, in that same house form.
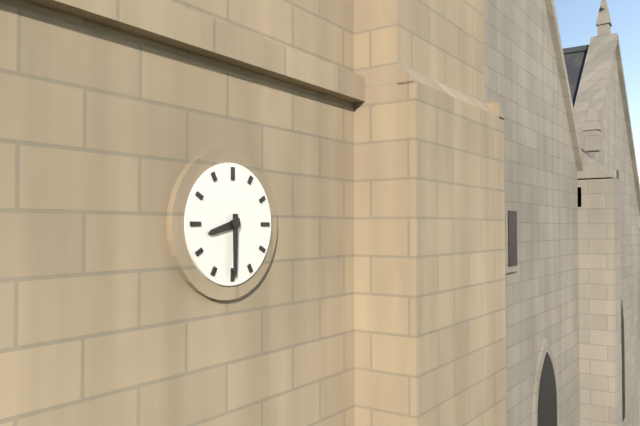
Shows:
8,30
